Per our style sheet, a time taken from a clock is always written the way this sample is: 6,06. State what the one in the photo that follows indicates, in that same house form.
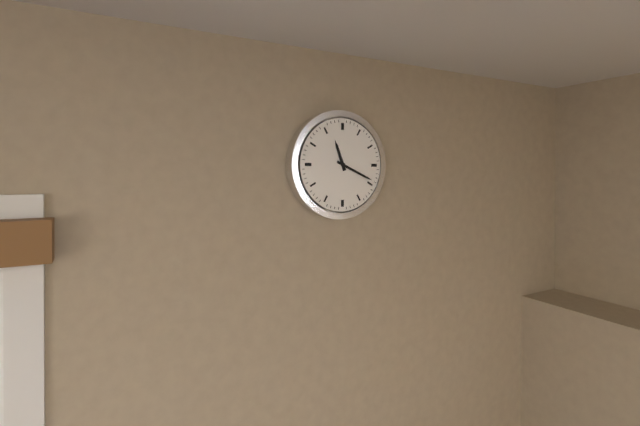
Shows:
11,19
